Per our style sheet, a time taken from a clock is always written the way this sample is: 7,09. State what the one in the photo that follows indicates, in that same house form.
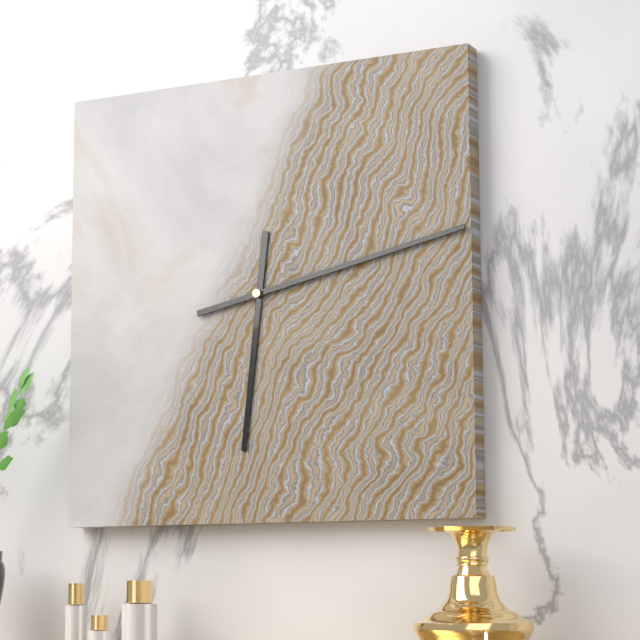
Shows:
6,13
